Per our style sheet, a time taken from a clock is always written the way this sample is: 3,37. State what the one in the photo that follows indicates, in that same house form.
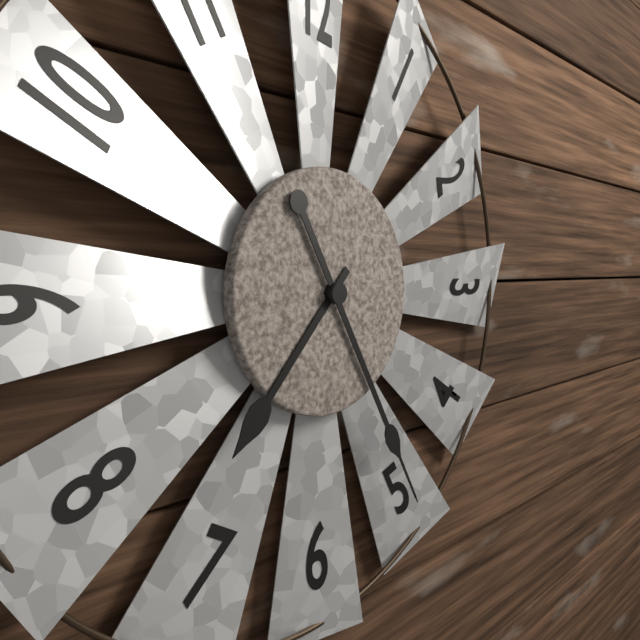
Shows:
7,25
